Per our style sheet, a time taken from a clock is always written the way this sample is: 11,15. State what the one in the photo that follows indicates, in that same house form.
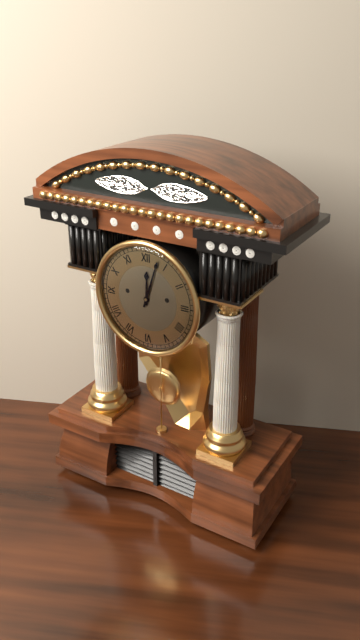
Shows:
12,03
